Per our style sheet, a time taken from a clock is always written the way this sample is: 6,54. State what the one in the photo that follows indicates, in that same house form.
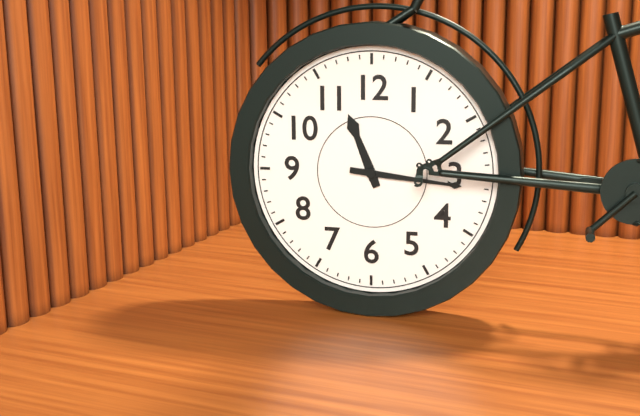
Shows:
11,16
